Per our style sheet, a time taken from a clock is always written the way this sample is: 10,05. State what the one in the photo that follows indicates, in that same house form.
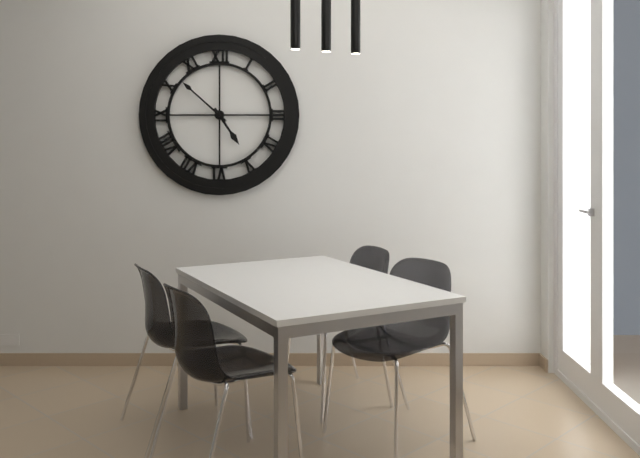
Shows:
4,52
